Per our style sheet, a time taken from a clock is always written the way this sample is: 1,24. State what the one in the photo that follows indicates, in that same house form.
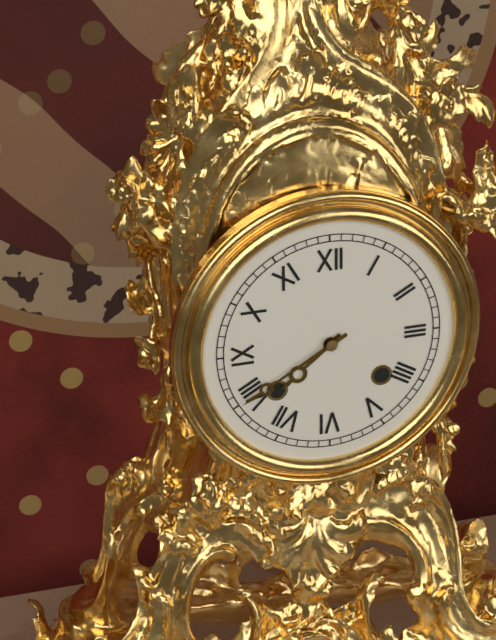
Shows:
7,40
